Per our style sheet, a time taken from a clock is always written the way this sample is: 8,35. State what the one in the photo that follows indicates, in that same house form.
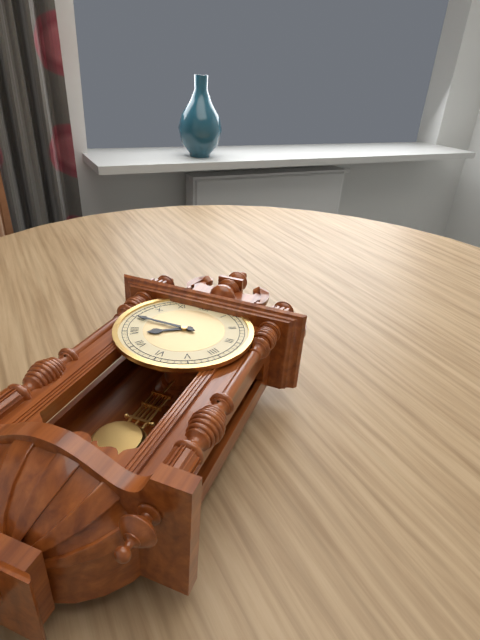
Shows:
7,45
